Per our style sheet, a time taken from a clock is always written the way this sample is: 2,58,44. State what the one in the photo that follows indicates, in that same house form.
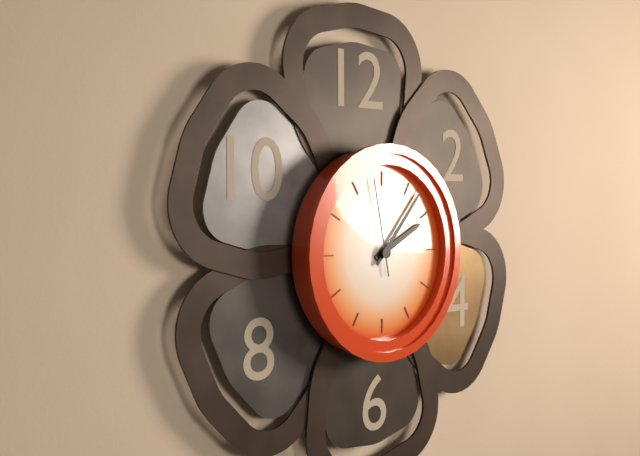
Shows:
2,07,58
